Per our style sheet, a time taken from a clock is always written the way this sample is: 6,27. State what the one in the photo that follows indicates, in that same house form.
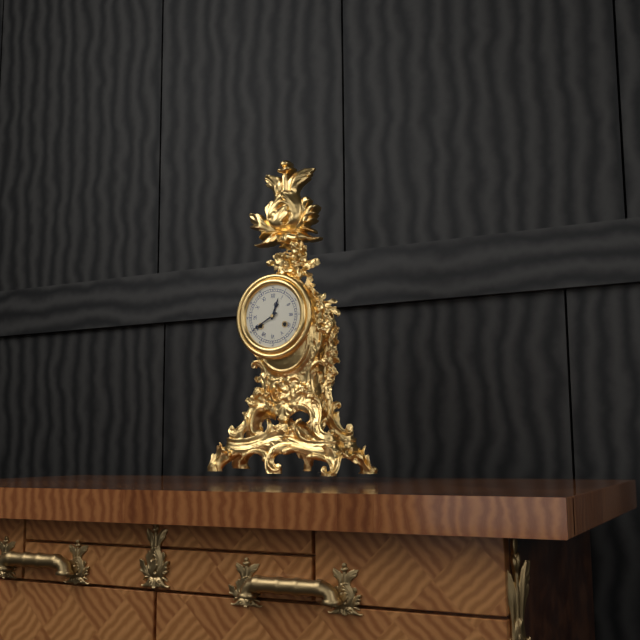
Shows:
12,40
